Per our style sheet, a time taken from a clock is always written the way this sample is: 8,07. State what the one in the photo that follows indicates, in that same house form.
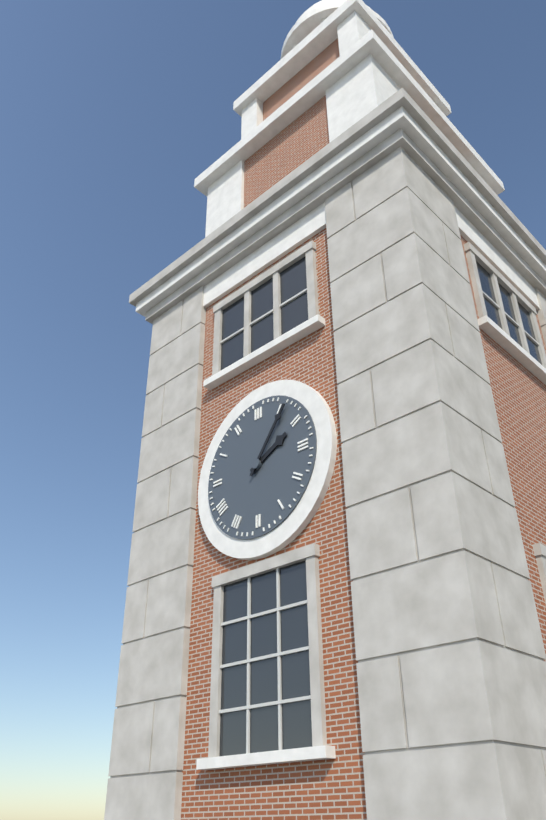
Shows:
2,06
